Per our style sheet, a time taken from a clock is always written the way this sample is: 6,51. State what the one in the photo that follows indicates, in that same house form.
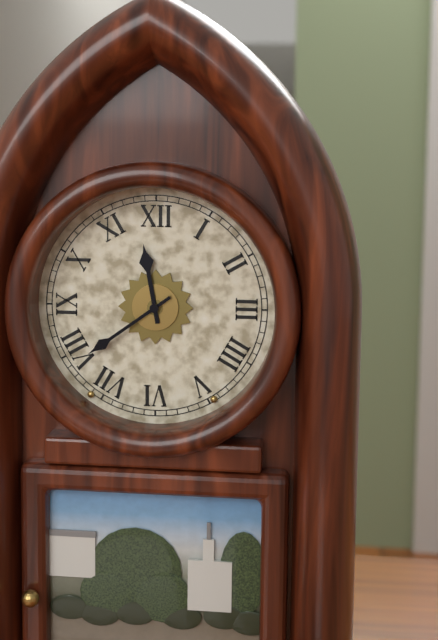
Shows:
11,39
